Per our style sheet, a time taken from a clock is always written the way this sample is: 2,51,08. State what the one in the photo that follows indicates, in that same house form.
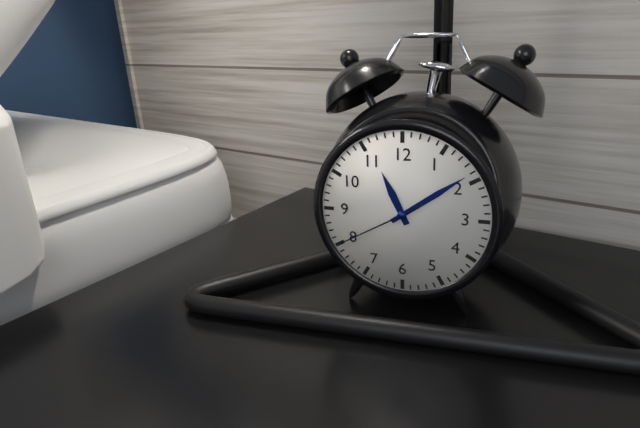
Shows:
11,09,40
